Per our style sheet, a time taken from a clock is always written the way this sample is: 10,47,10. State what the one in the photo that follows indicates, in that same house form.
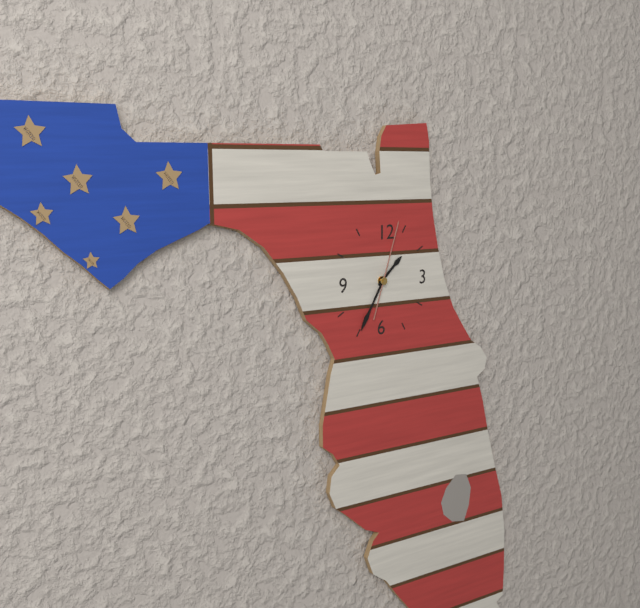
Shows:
1,35,03
